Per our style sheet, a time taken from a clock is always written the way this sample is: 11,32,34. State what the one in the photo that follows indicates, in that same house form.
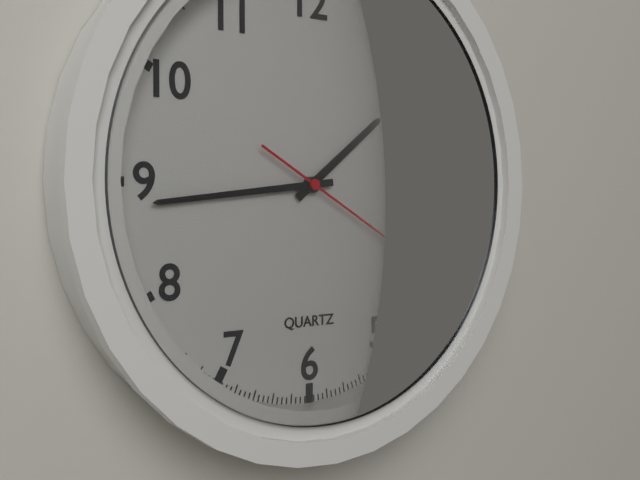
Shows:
1,44,20
